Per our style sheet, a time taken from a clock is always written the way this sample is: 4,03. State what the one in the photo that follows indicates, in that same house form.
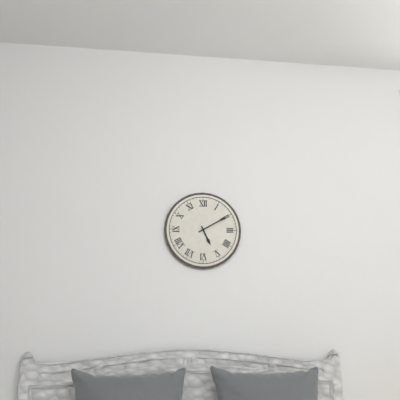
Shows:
5,10
